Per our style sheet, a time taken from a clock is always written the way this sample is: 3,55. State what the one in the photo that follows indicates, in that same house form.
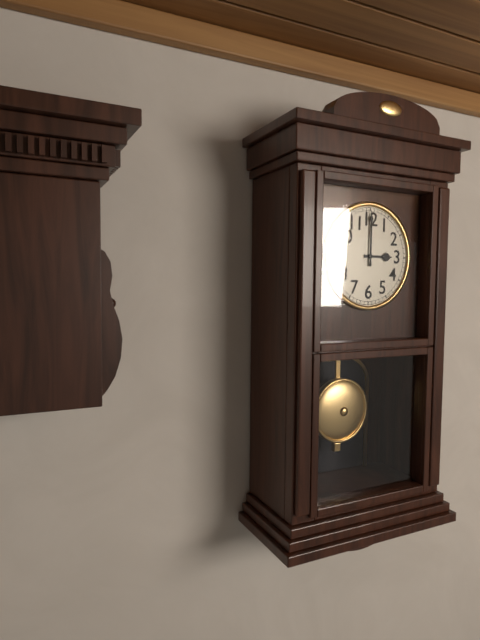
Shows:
3,00
